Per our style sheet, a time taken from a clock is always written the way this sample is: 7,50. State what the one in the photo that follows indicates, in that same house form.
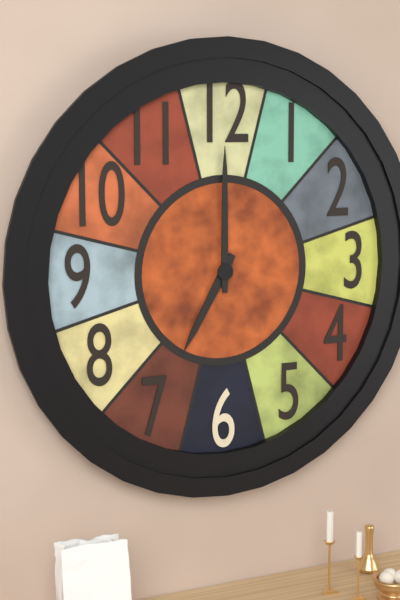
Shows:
7,00
